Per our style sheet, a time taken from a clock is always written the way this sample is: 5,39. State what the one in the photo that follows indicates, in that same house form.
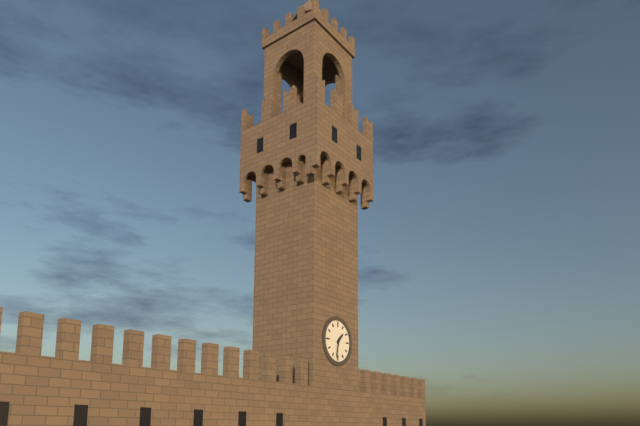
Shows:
1,32
